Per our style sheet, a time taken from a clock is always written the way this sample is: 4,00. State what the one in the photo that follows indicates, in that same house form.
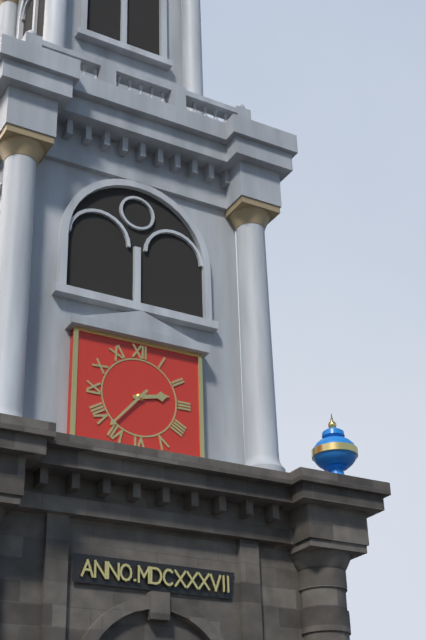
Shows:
2,37
